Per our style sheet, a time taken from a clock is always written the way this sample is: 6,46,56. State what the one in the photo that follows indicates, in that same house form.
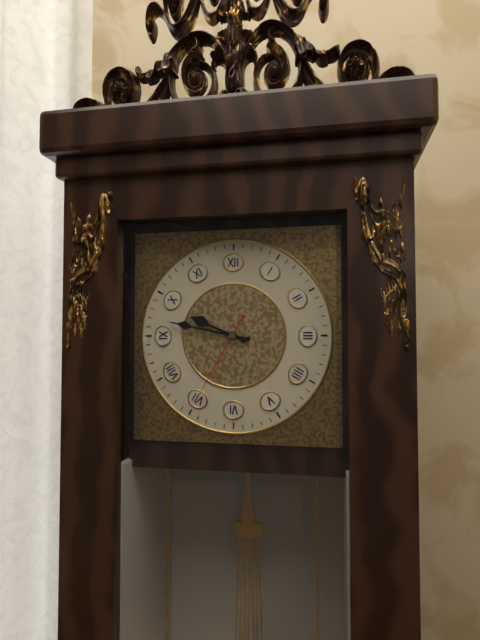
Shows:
9,47,35
